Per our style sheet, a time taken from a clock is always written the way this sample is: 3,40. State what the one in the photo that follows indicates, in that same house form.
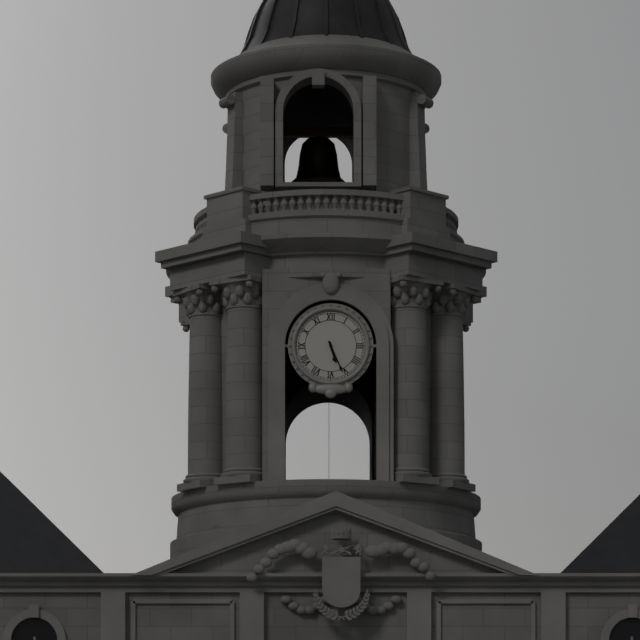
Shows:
5,26
